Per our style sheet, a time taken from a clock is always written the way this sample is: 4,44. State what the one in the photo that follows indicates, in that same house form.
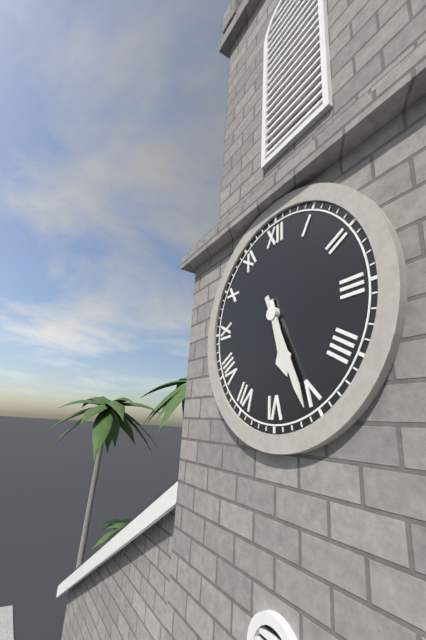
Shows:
5,26
